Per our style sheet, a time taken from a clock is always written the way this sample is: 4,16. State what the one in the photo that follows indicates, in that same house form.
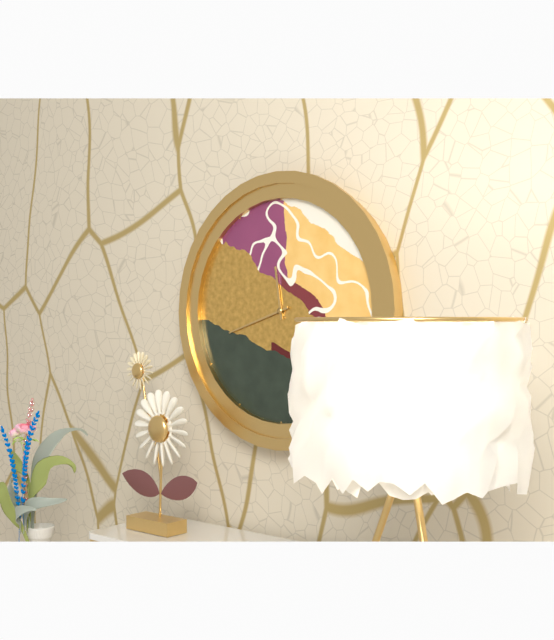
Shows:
11,42
